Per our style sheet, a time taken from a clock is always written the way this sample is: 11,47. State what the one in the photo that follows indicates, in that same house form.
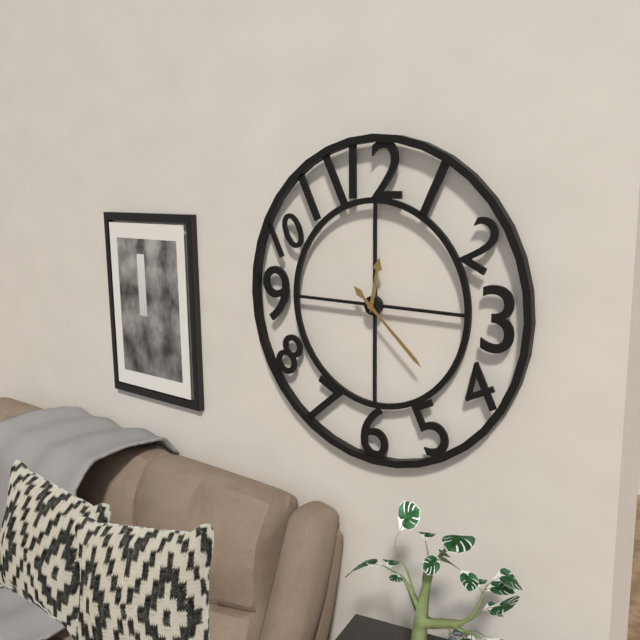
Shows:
12,22
